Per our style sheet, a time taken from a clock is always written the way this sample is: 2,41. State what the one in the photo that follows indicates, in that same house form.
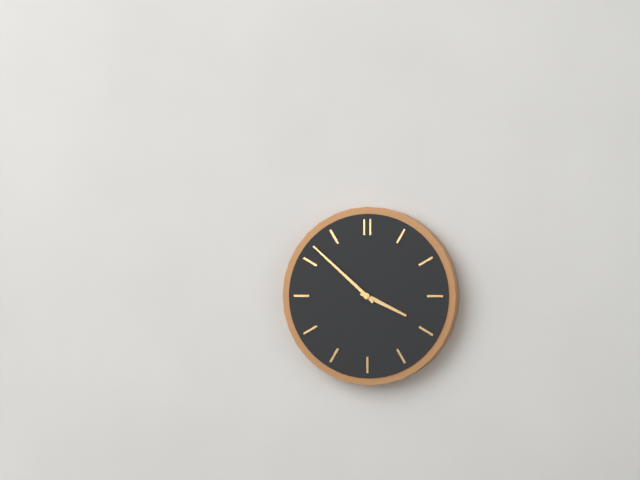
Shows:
3,52
